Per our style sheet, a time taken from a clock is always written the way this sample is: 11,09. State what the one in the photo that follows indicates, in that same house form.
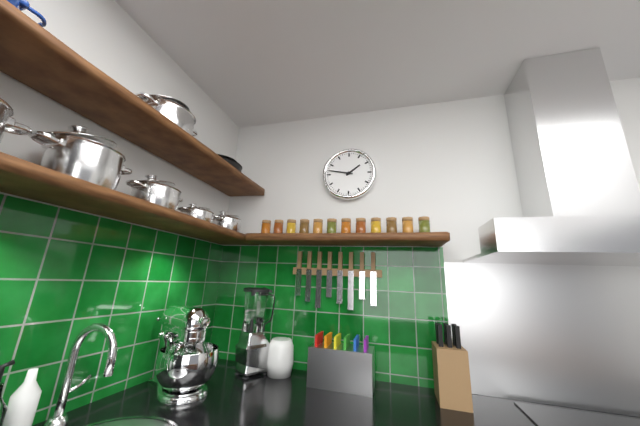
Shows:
1,47
